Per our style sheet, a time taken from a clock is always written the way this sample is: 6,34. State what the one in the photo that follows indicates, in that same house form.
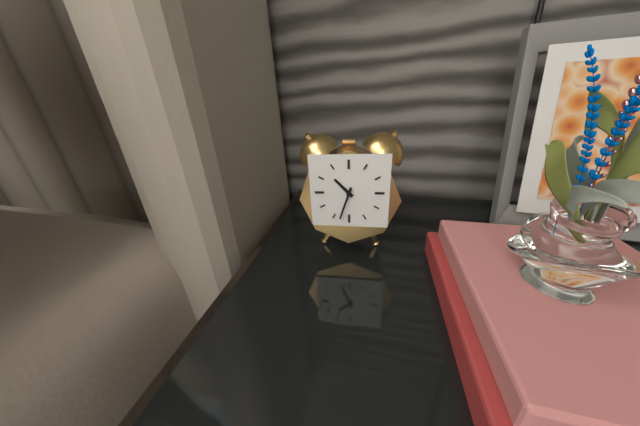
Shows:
10,33
